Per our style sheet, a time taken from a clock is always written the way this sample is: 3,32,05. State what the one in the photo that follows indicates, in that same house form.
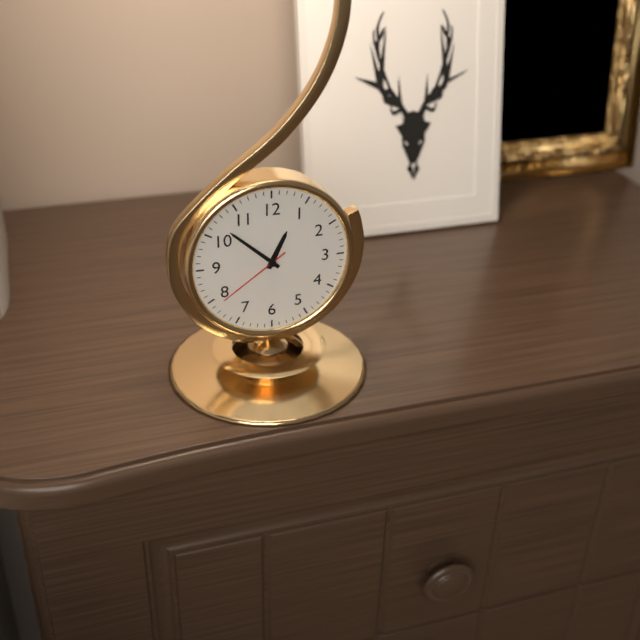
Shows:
12,52,39
